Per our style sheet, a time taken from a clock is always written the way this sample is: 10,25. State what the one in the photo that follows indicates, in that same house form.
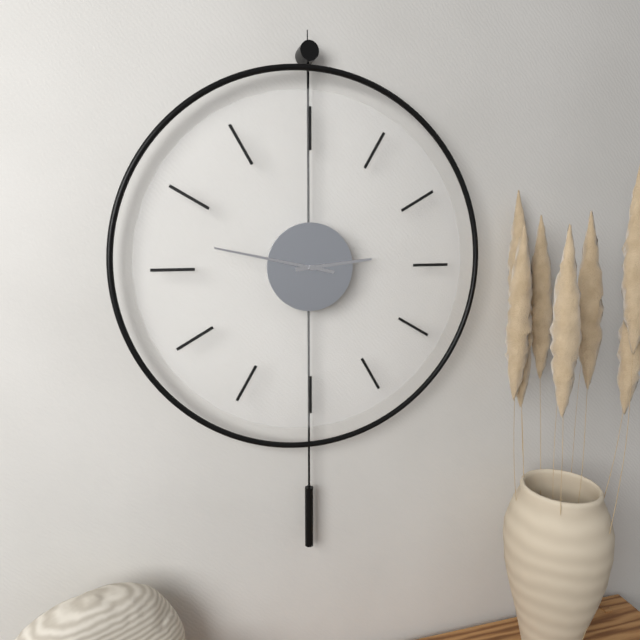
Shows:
2,47
